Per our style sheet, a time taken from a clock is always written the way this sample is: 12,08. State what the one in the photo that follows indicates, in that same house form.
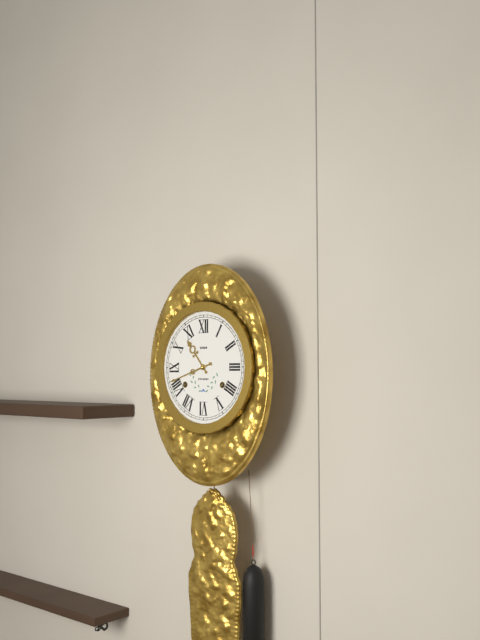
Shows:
10,42
